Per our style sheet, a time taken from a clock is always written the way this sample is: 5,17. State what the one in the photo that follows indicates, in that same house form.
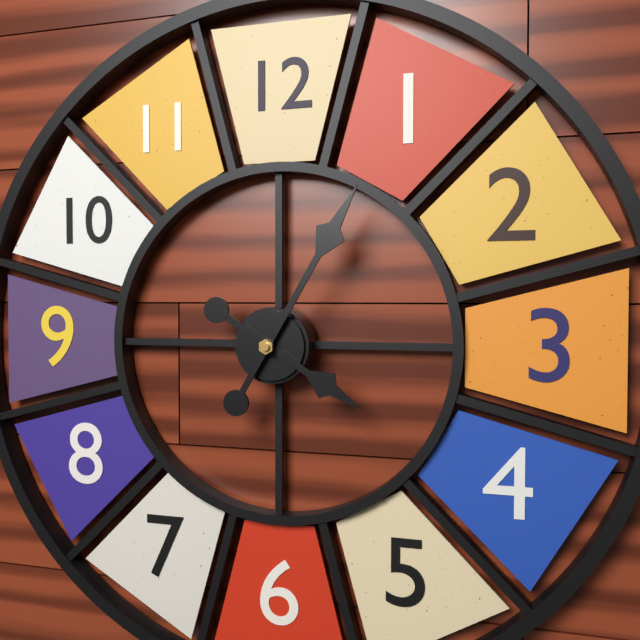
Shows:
4,05
